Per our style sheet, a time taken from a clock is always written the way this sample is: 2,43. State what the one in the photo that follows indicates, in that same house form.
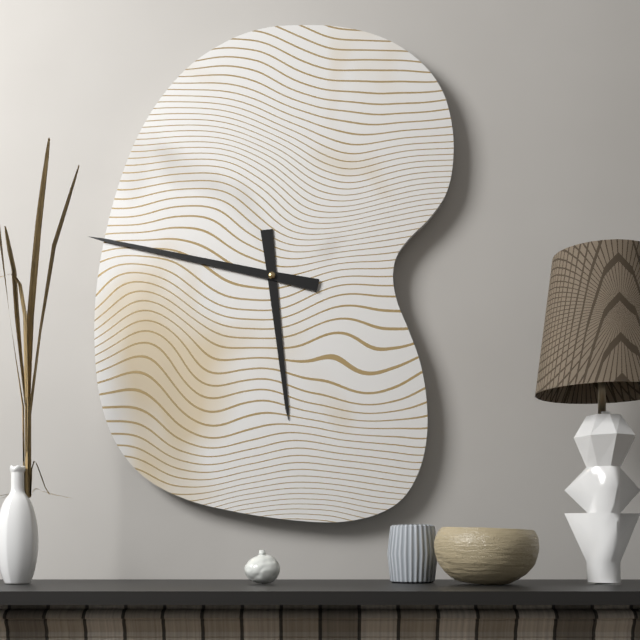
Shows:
5,47
